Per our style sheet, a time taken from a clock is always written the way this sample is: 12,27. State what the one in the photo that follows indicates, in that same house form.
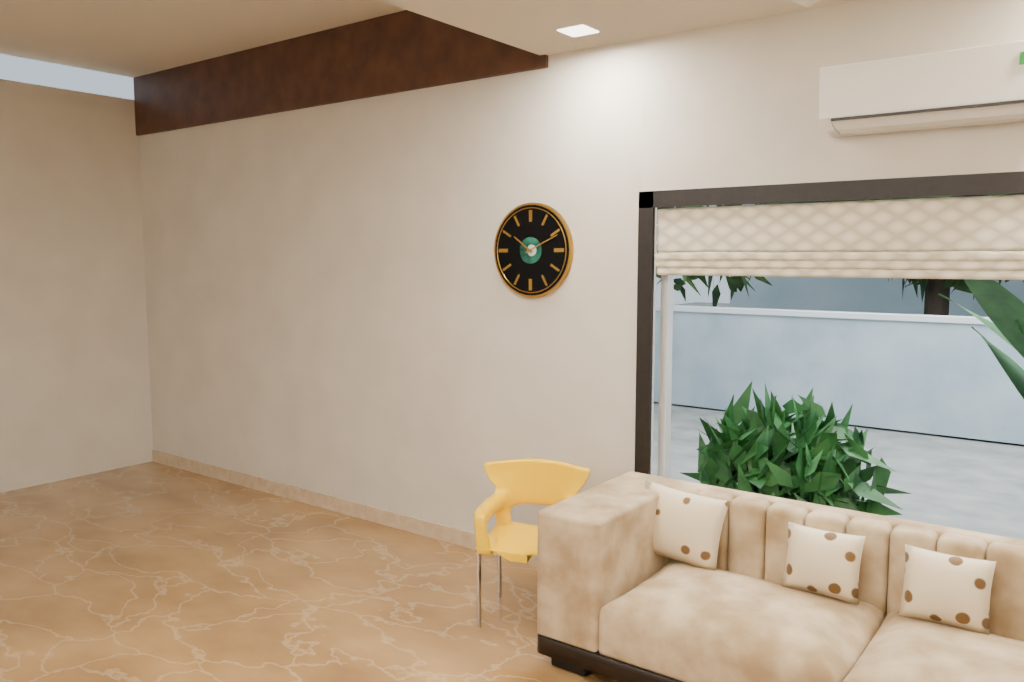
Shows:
10,11
